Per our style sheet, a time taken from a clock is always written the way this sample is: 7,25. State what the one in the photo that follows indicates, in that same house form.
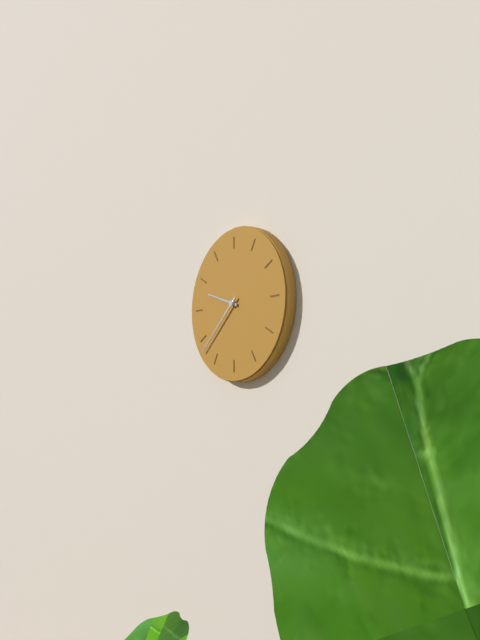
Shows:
9,38
